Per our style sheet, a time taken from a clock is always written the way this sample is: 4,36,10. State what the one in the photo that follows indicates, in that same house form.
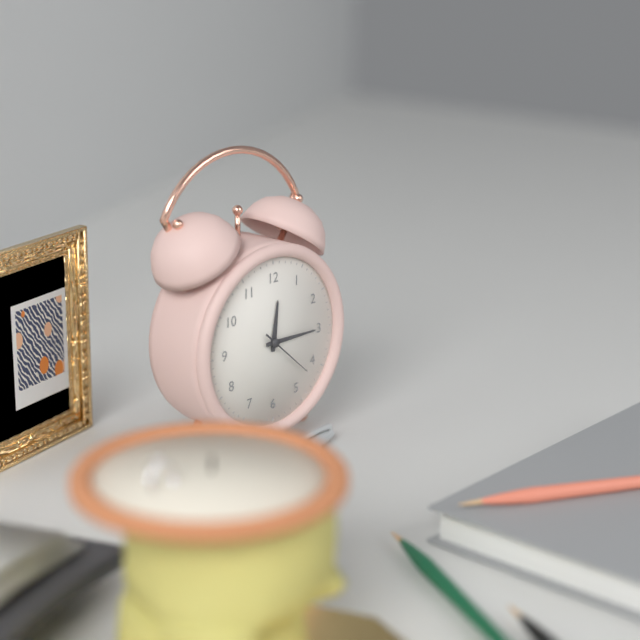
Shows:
12,15,22
